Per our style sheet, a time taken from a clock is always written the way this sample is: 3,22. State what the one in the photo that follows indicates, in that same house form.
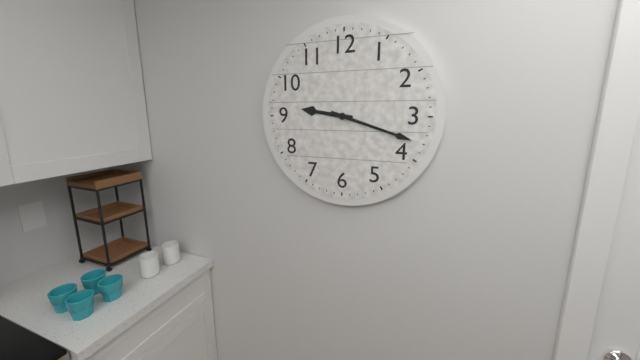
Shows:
9,18
